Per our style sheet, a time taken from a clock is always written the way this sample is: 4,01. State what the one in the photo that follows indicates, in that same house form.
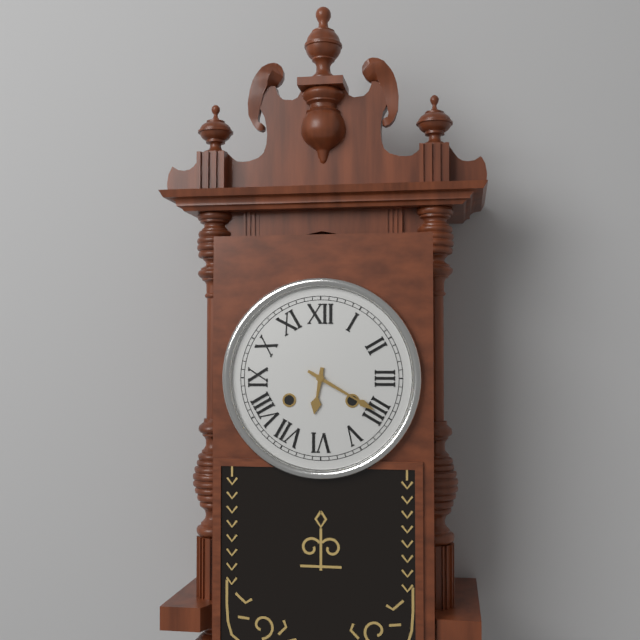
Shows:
6,20
